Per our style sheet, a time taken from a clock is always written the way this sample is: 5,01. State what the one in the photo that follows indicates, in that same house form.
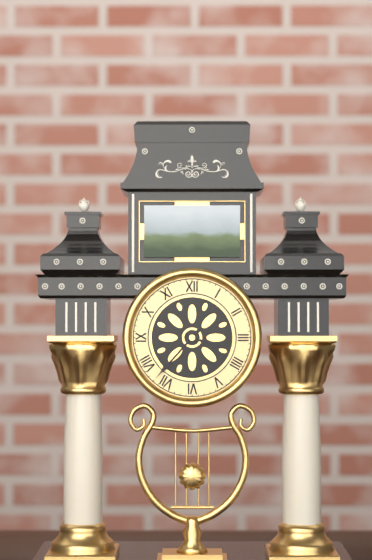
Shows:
3,37
